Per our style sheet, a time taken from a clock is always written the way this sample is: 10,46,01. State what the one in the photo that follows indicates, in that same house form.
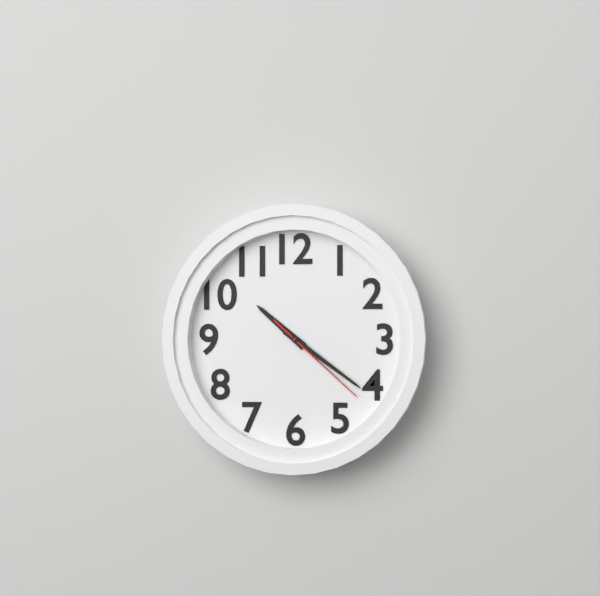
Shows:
10,21,22
